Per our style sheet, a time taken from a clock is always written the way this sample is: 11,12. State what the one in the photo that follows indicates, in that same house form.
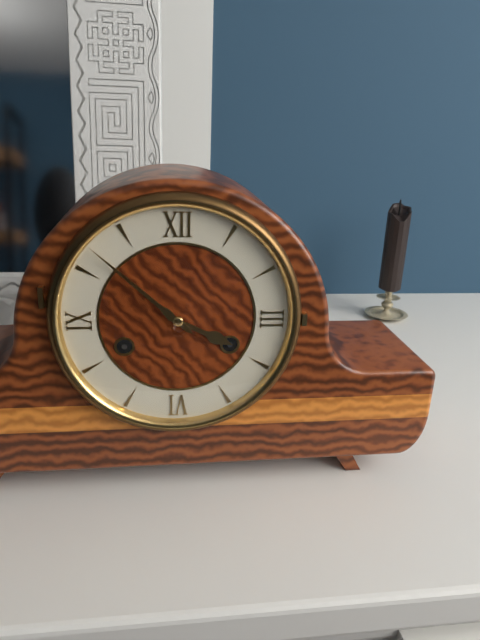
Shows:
3,52
